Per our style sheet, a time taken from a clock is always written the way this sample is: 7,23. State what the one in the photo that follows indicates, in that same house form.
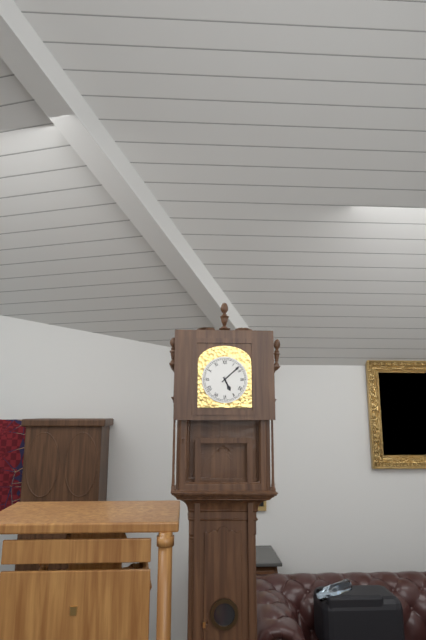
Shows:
5,08
